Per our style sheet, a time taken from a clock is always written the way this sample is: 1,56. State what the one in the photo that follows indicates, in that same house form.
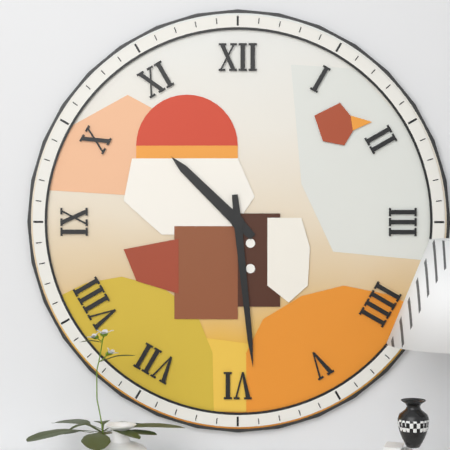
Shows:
10,29
